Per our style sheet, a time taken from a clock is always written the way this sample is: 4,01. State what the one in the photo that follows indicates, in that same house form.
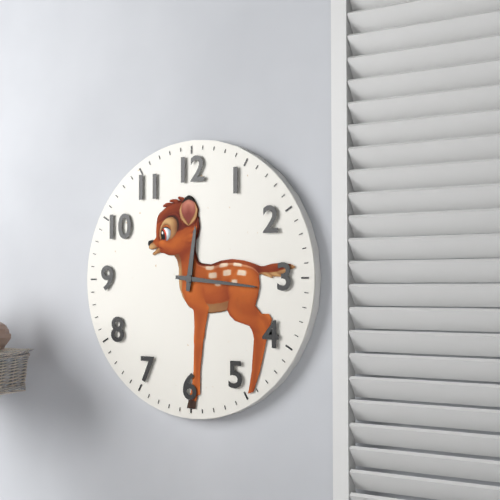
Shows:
12,16
